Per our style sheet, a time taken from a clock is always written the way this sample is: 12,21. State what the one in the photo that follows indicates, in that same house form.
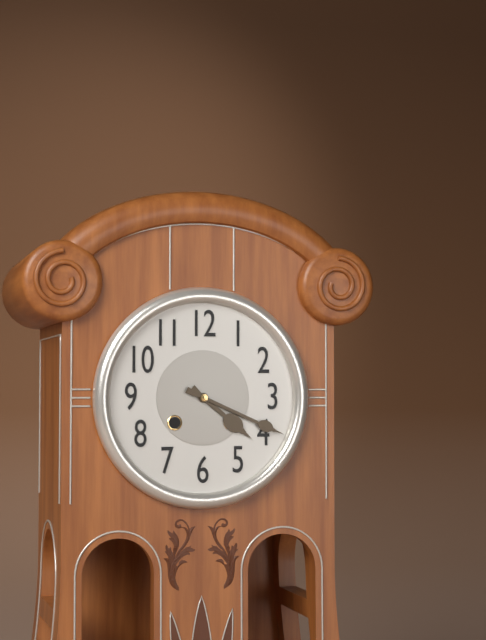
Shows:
4,19
